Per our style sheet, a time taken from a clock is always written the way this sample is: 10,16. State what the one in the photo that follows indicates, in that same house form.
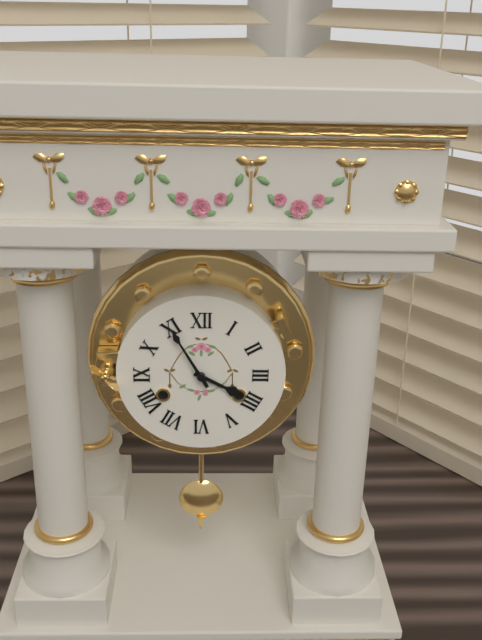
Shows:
3,55
